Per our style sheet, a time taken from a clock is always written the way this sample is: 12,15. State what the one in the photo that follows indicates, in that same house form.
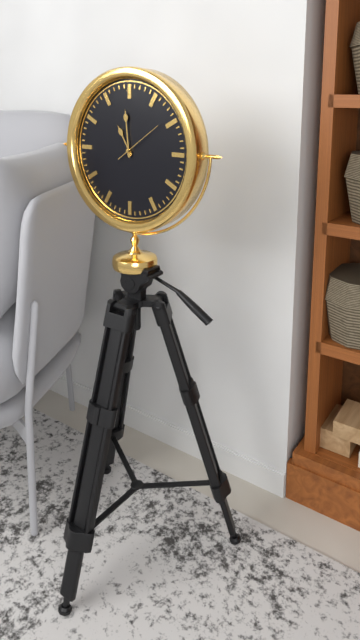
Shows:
10,59
